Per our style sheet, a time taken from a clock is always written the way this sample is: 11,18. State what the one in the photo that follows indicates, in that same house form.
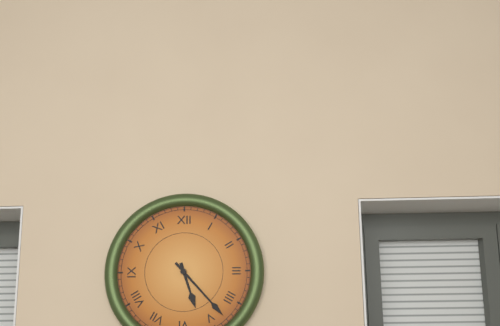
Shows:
5,23
